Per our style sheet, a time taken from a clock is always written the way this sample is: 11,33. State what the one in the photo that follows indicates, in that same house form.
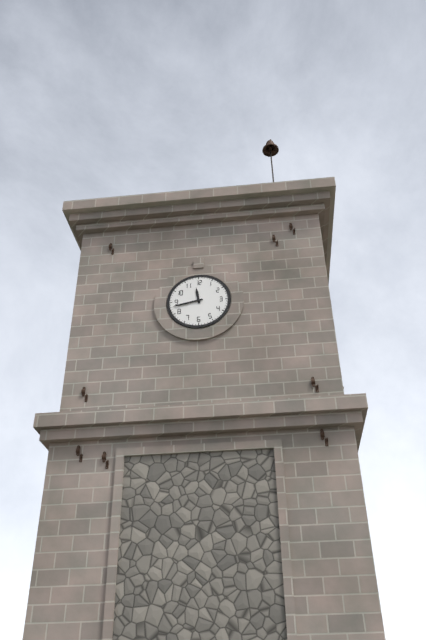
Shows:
11,43
